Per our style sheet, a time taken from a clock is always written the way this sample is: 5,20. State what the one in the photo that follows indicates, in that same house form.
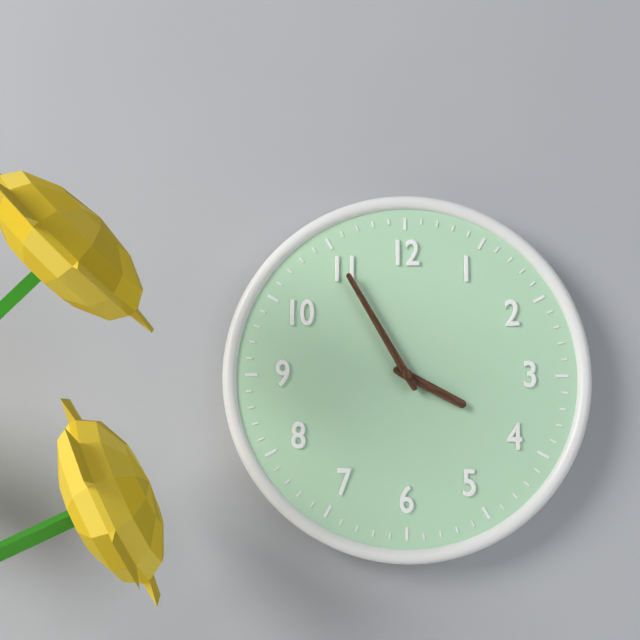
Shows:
3,55
